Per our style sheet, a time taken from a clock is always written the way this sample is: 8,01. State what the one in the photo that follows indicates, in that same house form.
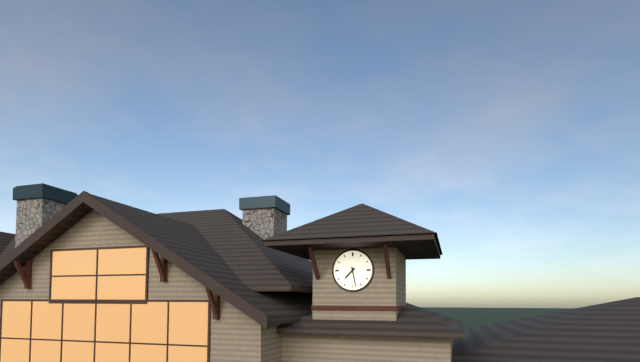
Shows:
7,28
